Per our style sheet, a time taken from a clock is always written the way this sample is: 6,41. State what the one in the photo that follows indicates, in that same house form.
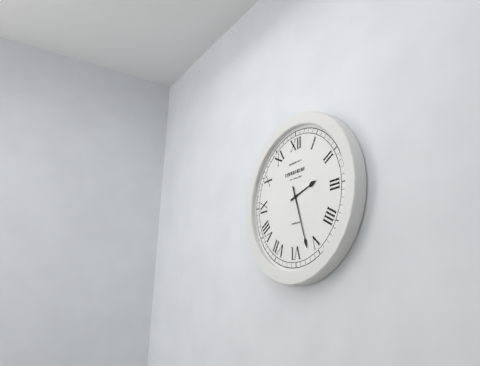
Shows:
2,27
